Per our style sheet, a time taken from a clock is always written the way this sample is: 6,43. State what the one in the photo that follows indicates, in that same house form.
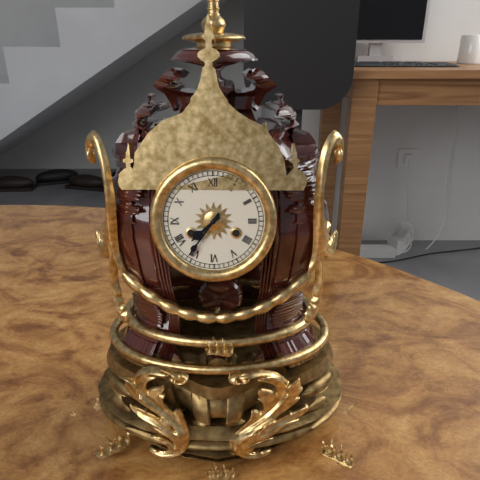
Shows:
7,36
